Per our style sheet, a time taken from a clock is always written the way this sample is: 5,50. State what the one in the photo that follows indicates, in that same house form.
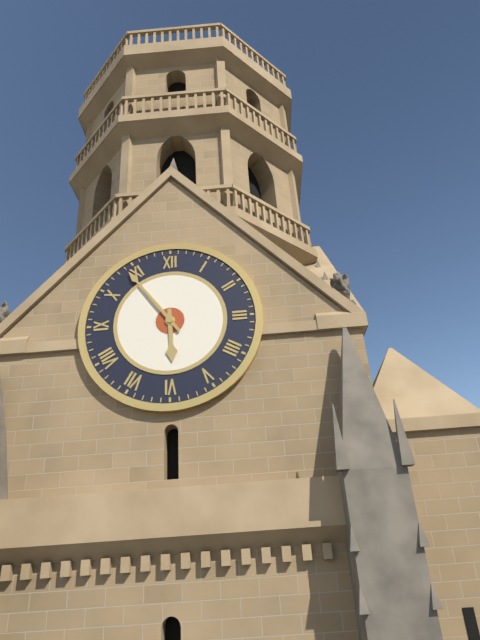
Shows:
5,54
